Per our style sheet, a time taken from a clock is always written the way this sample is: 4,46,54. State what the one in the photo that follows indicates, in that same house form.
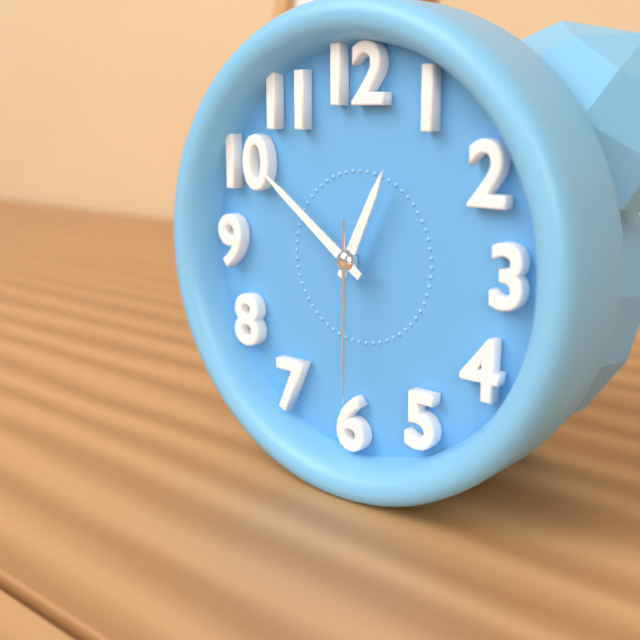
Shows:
12,51,30
